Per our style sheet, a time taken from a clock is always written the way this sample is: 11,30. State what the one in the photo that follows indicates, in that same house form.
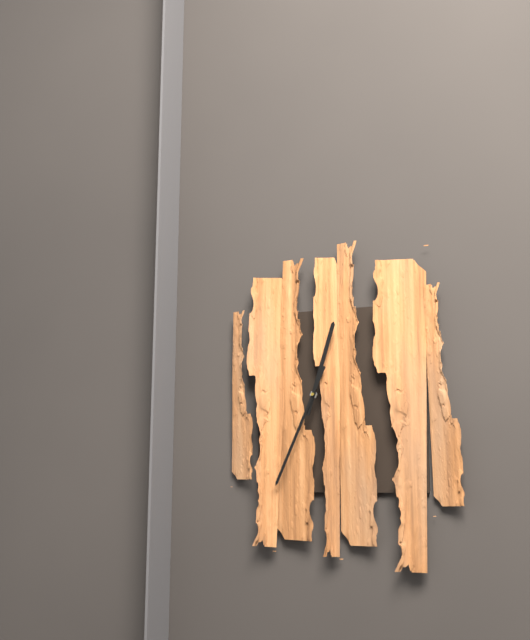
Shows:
12,34
